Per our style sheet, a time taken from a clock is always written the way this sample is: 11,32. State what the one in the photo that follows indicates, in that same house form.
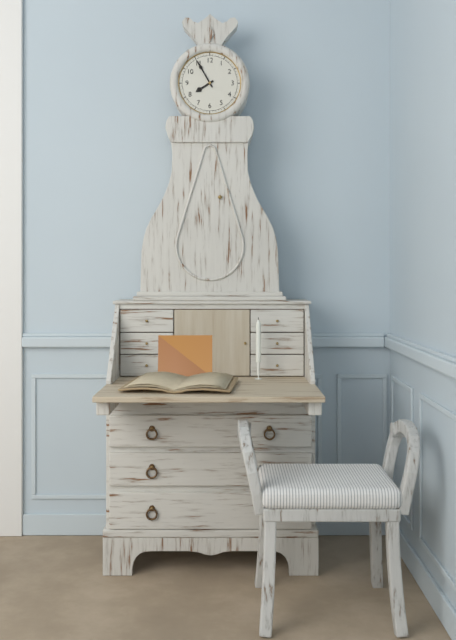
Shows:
7,55
